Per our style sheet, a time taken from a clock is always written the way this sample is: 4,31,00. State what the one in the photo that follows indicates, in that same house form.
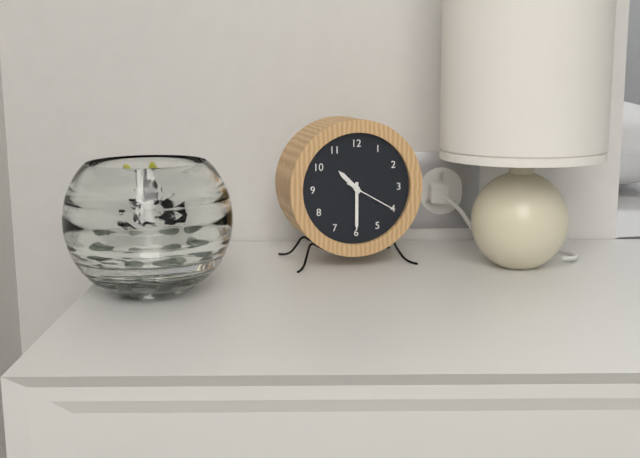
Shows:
10,30,20
